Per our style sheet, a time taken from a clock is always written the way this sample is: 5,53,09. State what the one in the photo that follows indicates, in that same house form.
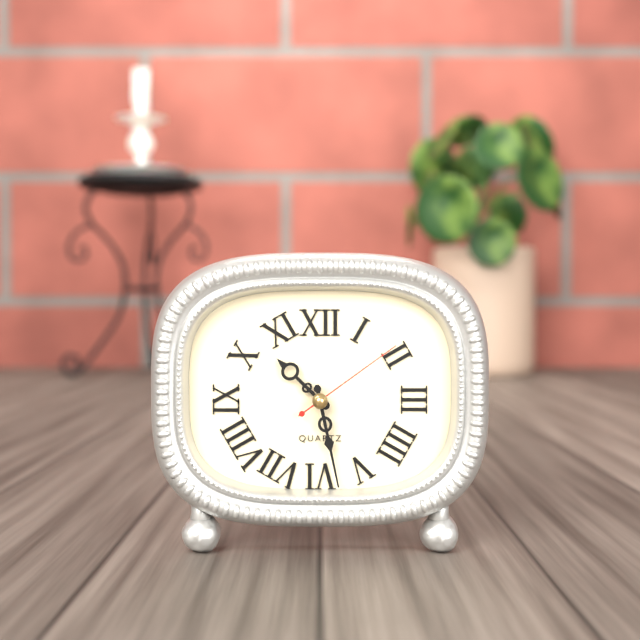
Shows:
10,28,09
